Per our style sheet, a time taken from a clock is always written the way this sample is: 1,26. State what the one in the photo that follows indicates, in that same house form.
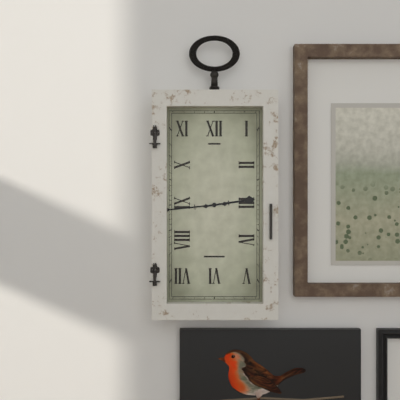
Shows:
2,44
